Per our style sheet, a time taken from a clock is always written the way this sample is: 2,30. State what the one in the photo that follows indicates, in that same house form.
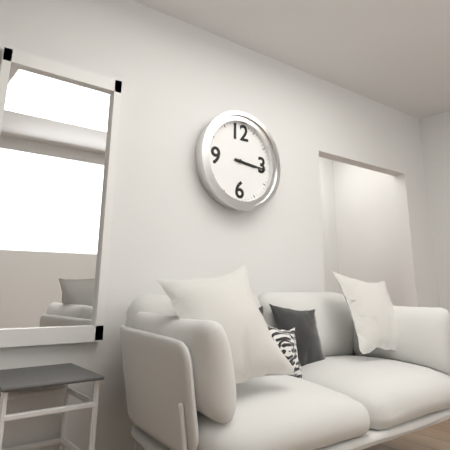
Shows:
3,16
